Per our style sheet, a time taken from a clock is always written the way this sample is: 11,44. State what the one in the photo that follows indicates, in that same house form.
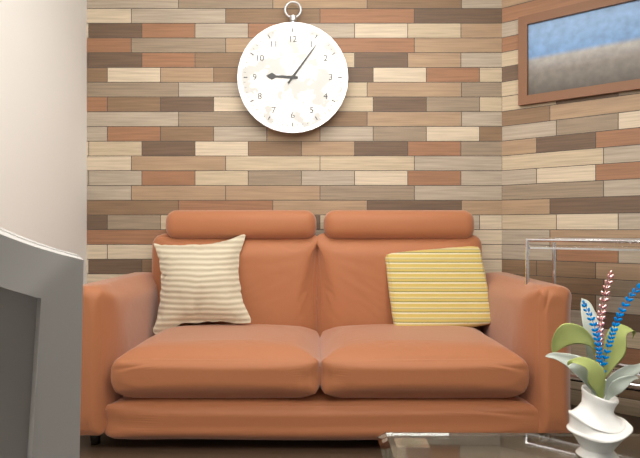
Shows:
9,06
